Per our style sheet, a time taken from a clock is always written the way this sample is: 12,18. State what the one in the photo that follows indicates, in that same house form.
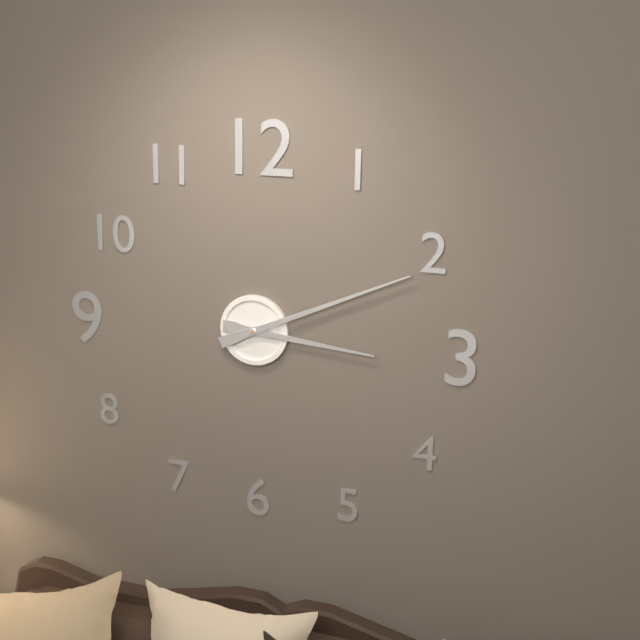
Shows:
3,11
